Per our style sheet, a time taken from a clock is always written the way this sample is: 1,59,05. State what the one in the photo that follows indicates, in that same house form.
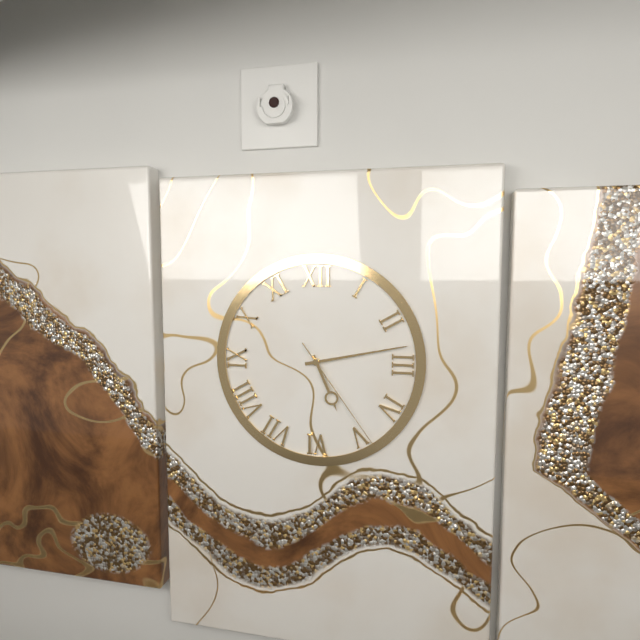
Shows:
5,13,24
